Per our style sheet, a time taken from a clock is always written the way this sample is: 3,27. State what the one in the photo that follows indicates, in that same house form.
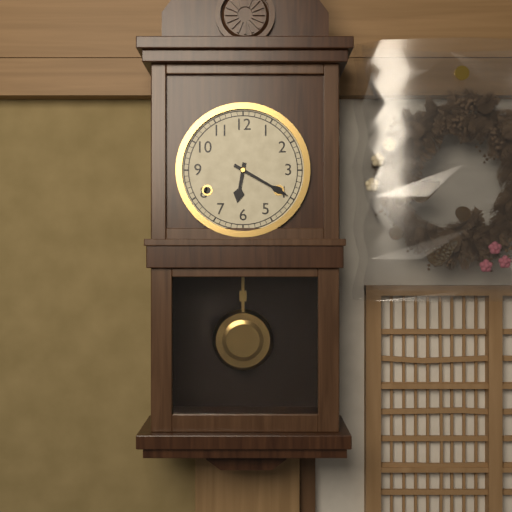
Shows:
6,20
